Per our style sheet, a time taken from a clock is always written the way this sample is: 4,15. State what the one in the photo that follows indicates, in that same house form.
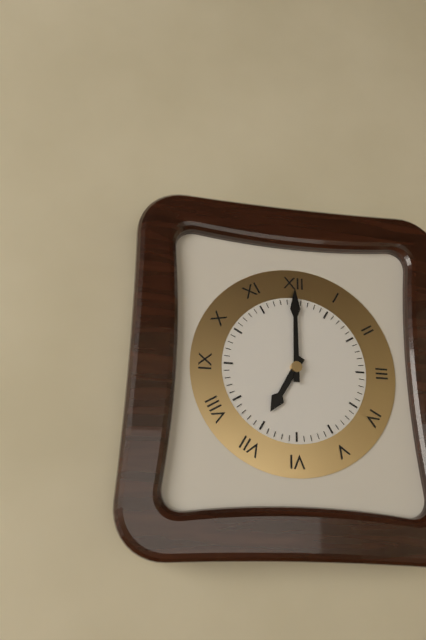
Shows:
7,00
